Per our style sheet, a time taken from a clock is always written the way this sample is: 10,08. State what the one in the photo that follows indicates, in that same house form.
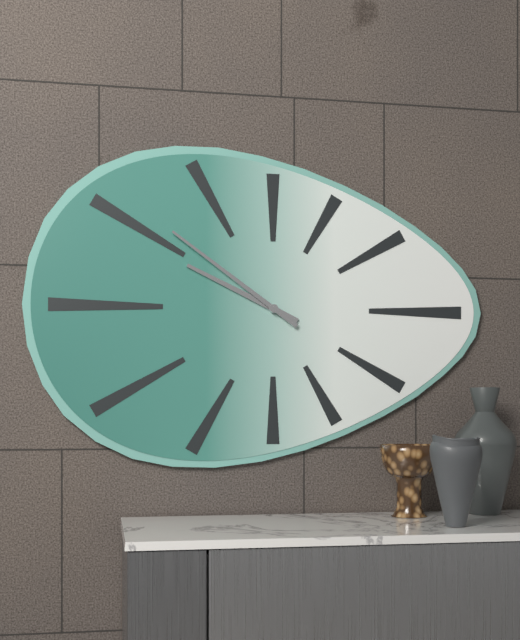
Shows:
9,51
